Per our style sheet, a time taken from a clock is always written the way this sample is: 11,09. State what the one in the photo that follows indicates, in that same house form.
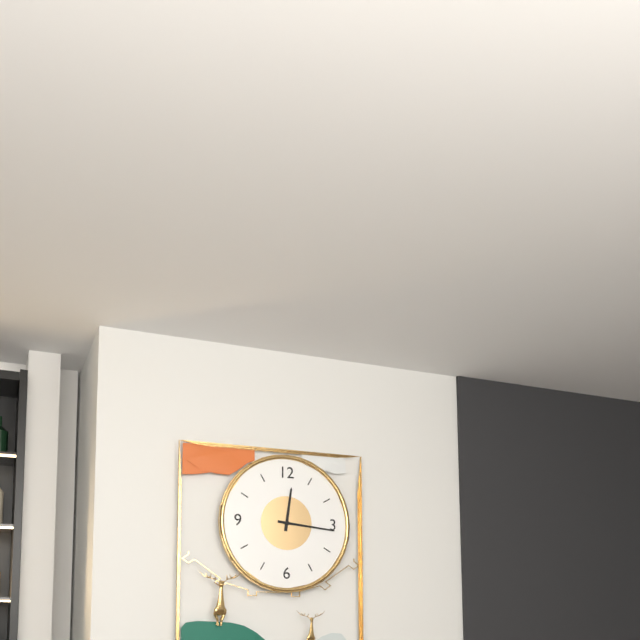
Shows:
12,16
